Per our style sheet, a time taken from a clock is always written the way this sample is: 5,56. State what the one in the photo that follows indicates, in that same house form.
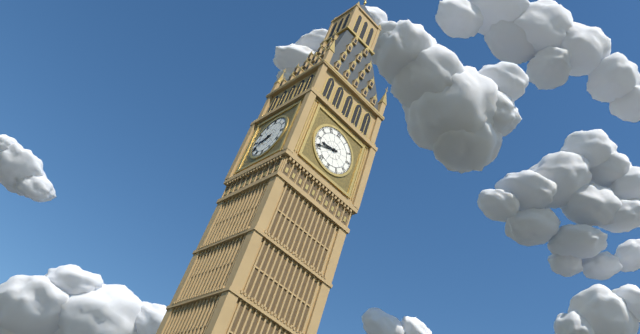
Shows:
8,41
